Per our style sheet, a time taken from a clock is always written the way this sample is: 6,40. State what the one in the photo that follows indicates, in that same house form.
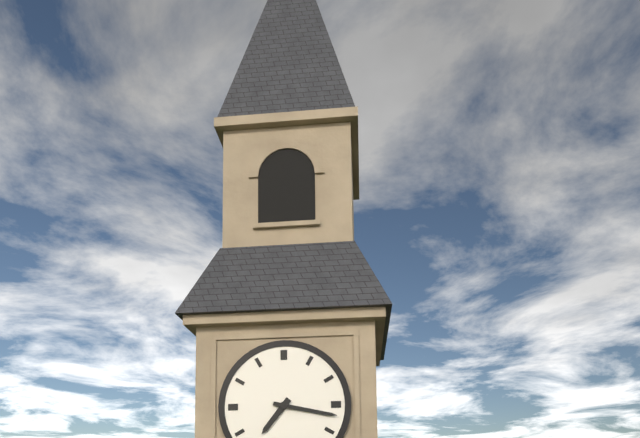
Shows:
7,17
